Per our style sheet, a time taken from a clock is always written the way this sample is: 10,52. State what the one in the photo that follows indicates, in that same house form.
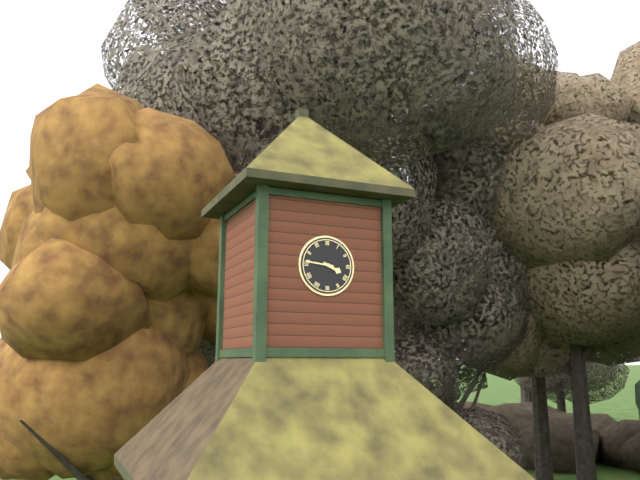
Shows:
3,46
